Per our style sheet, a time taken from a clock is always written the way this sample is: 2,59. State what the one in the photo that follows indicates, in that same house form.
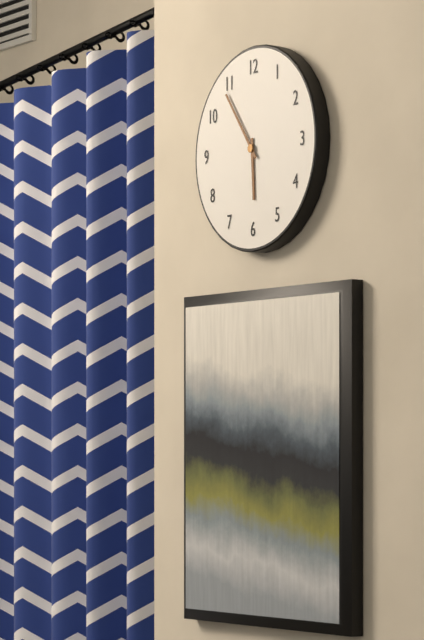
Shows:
5,54
